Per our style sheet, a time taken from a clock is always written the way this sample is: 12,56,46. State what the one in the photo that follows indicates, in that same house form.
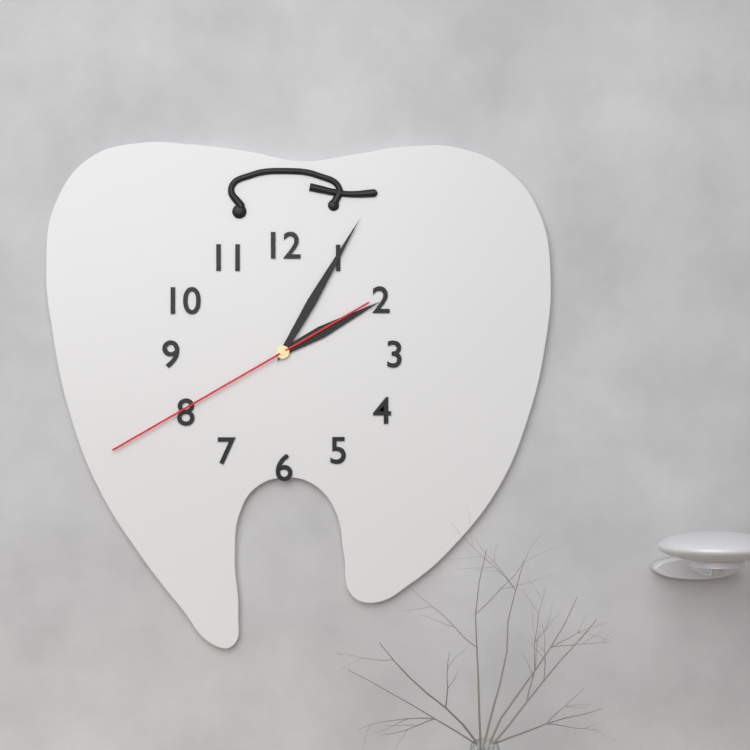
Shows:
2,05,40
